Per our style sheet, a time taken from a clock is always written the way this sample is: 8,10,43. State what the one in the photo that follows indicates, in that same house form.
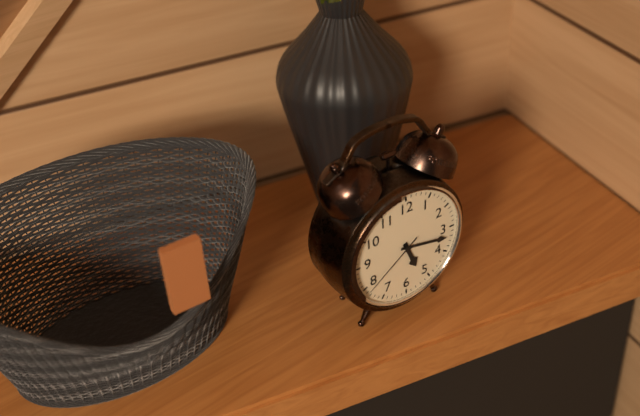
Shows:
5,17,39
